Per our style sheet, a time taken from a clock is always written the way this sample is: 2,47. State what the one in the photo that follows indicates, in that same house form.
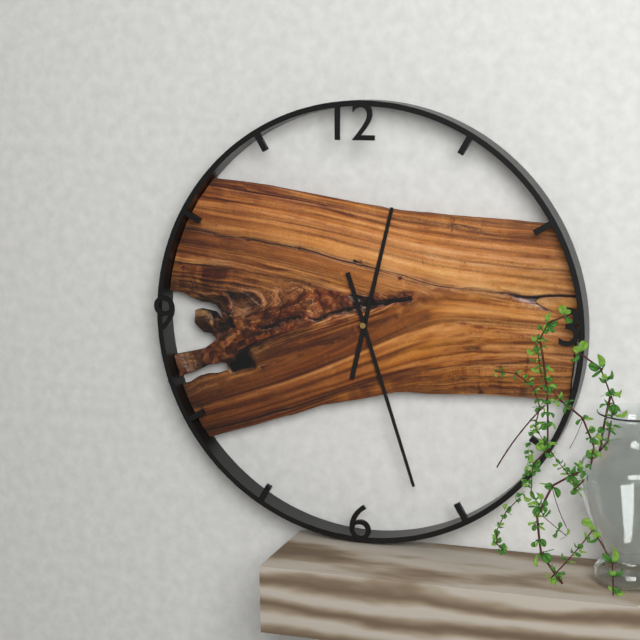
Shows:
12,27
